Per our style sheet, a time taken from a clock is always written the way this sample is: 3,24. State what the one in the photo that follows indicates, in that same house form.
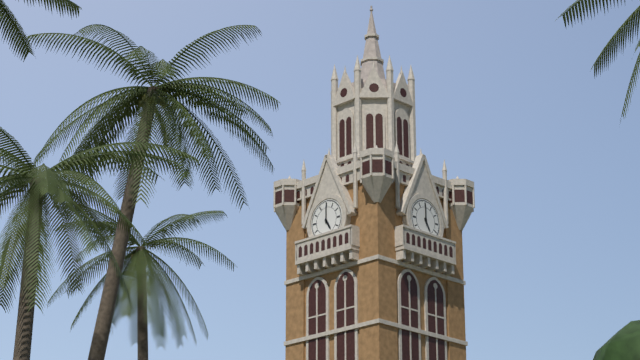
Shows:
5,00
